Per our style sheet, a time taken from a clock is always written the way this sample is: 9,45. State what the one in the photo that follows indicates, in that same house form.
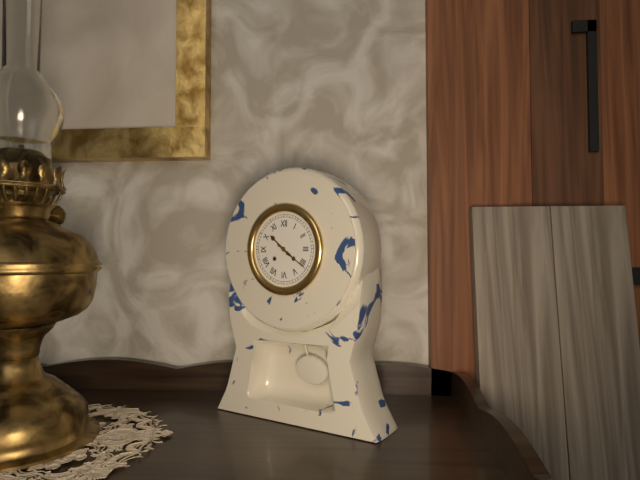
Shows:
10,21
